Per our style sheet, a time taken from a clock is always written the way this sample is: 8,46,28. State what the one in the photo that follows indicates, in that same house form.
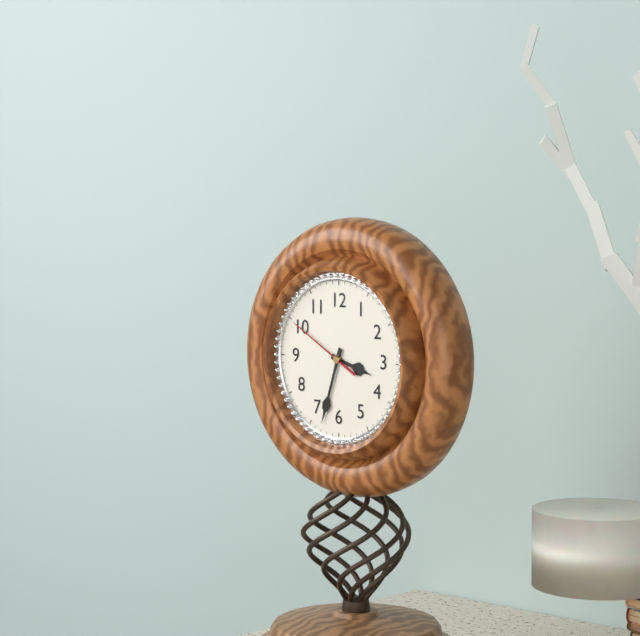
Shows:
3,33,50
